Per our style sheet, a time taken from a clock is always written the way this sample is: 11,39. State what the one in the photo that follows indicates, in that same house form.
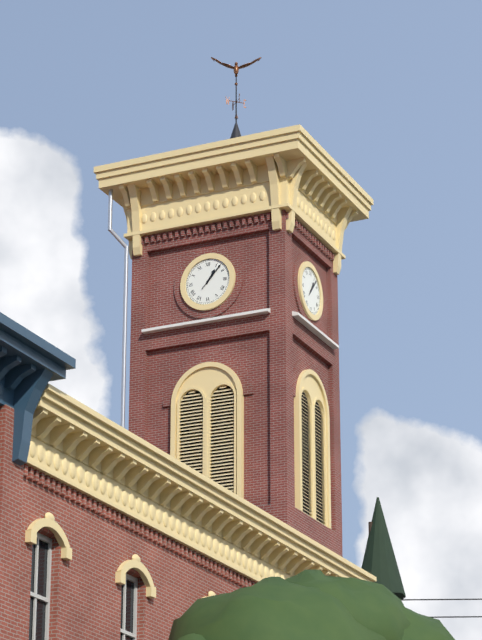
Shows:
1,07
